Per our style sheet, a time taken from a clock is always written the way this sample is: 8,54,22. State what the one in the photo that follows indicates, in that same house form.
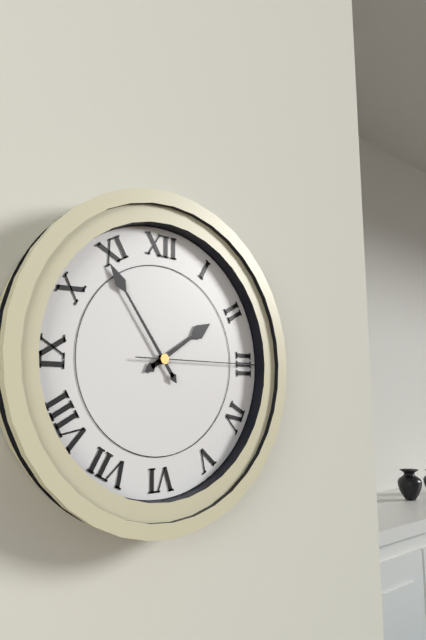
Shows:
1,54,15
